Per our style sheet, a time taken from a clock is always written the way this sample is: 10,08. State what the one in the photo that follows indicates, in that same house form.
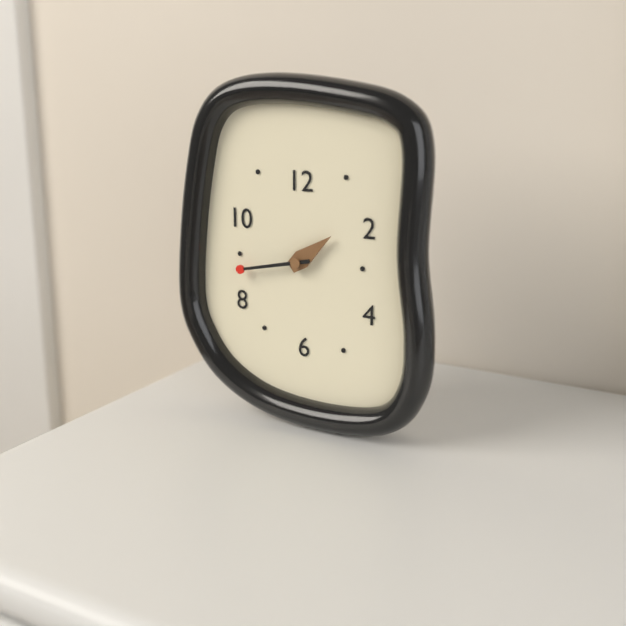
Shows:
1,43
